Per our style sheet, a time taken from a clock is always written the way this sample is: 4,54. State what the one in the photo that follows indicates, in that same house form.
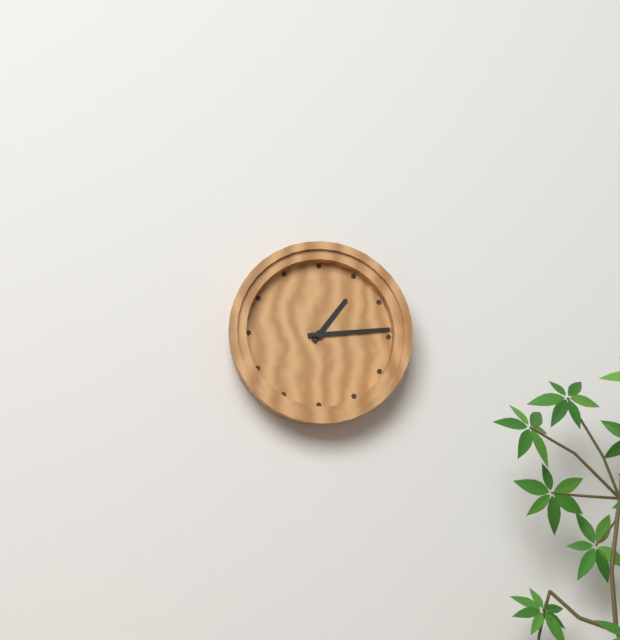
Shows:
1,14
